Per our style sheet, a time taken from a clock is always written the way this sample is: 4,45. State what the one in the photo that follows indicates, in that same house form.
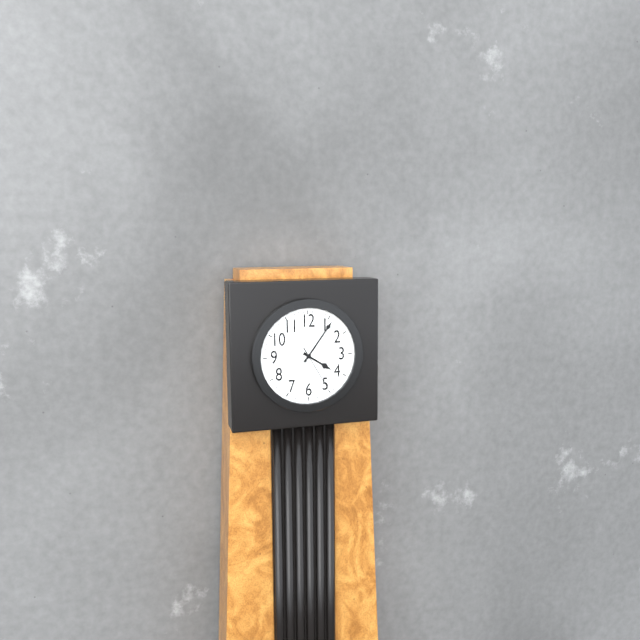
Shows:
4,06
